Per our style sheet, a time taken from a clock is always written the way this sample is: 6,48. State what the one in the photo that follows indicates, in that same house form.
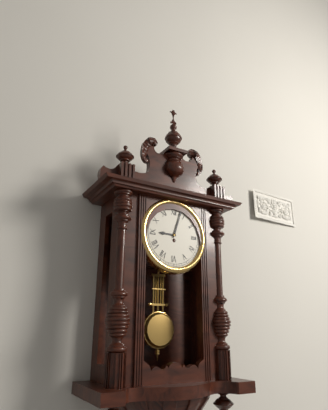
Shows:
9,03
